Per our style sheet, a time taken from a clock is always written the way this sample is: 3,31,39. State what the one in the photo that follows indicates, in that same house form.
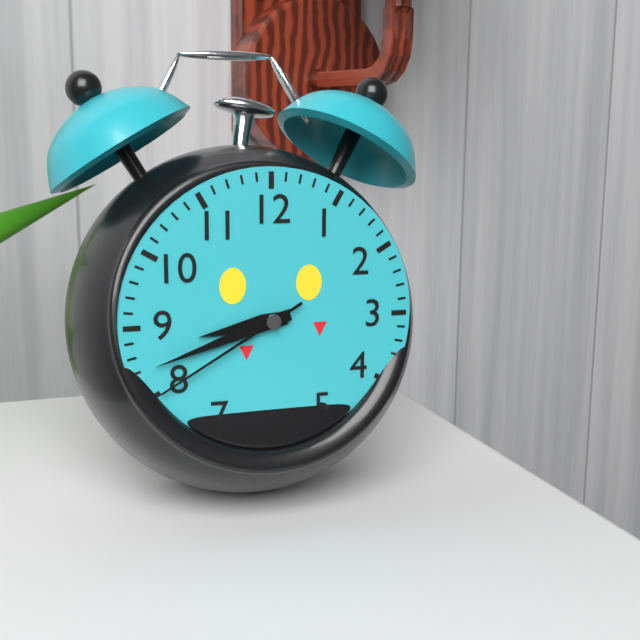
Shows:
8,42,40
